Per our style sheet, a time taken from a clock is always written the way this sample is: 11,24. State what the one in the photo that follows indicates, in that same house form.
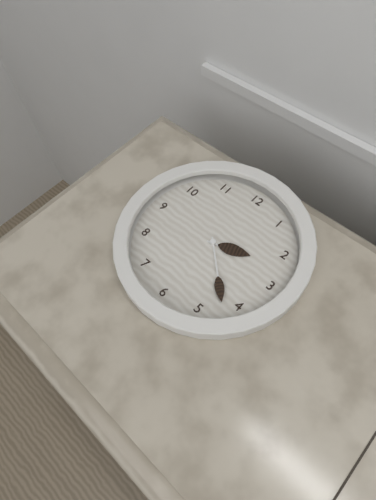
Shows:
2,22
